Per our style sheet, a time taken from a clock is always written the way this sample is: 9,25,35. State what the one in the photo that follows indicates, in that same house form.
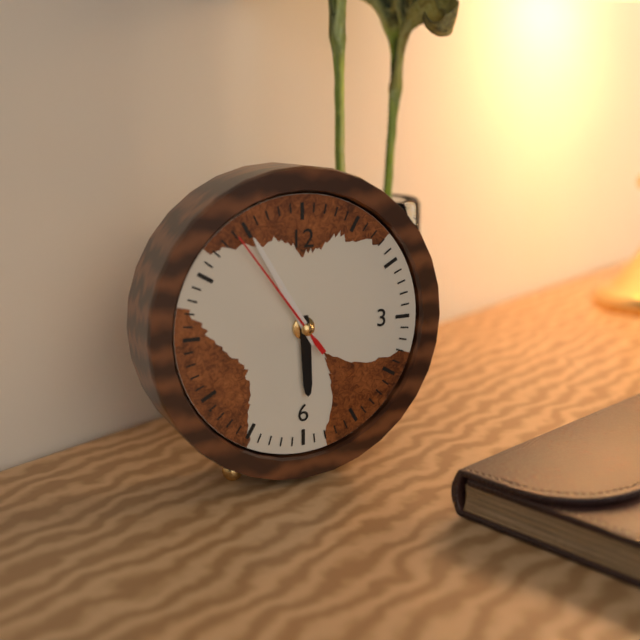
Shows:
5,55,54
